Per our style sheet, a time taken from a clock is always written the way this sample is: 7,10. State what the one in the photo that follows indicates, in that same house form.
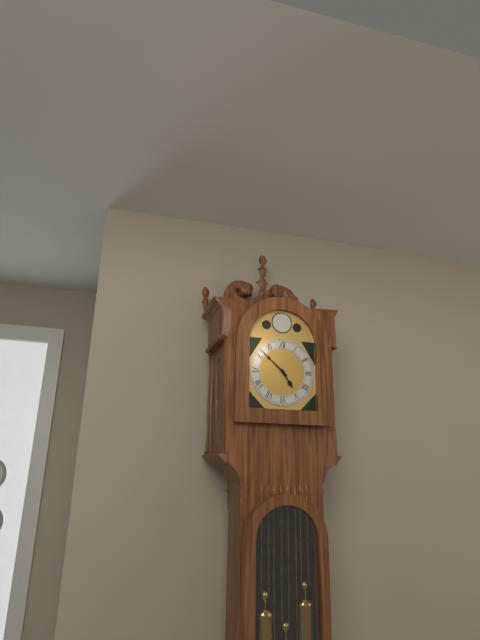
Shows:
4,52
